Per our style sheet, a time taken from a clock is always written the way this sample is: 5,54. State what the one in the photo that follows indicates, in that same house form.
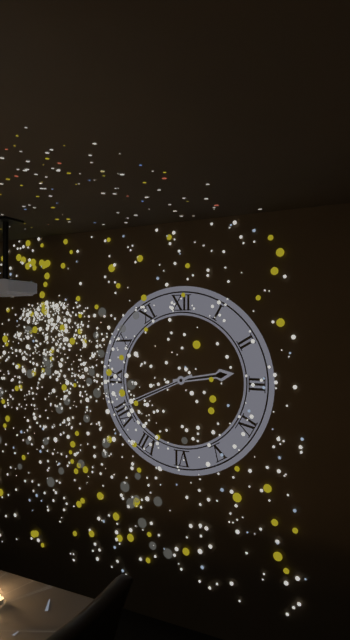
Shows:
2,41
